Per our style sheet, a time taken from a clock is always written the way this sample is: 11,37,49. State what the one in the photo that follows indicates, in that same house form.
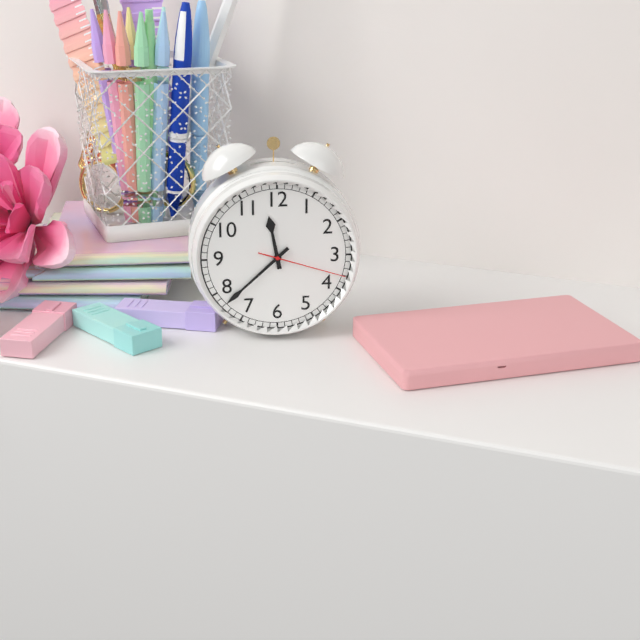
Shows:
11,38,18
